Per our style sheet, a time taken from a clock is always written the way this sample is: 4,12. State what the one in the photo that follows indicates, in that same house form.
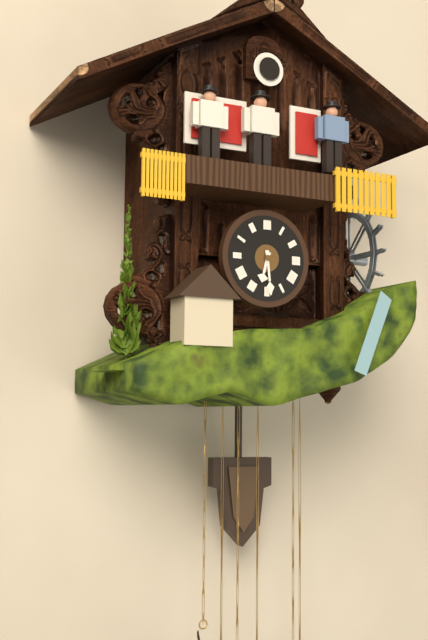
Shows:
6,29
